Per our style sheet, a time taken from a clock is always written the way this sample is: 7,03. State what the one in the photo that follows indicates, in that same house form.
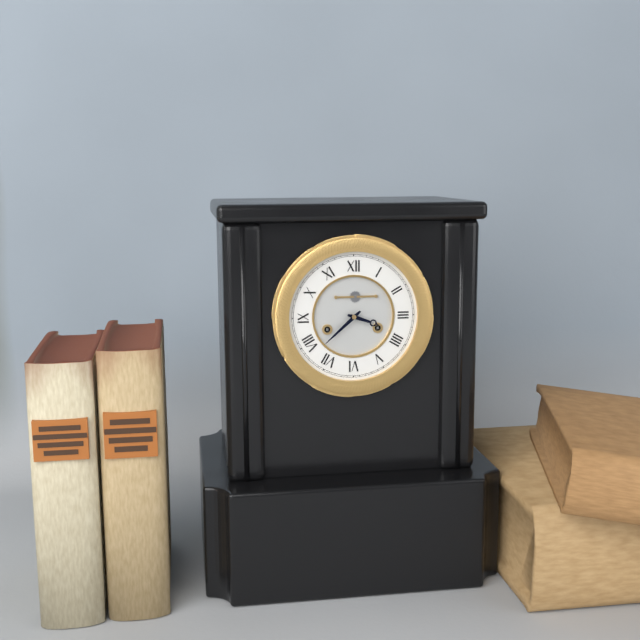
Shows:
3,38
